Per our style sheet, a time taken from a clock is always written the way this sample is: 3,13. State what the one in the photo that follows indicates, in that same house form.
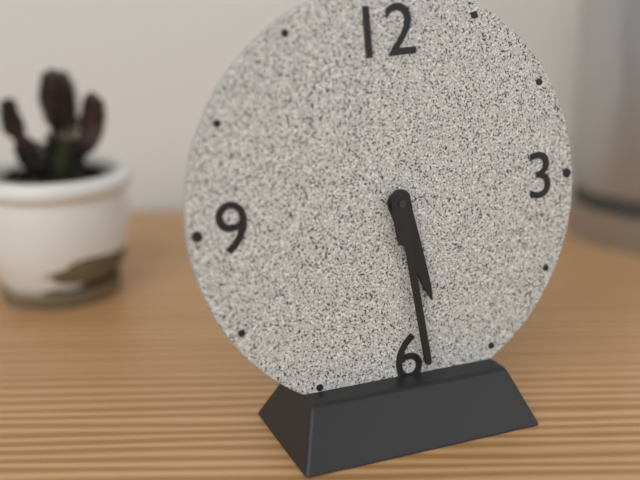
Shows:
5,29
